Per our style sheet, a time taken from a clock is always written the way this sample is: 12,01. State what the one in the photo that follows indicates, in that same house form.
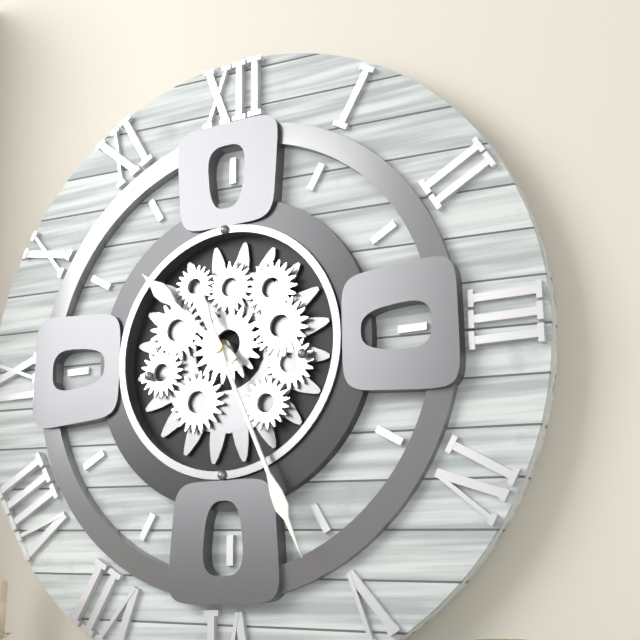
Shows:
10,26
